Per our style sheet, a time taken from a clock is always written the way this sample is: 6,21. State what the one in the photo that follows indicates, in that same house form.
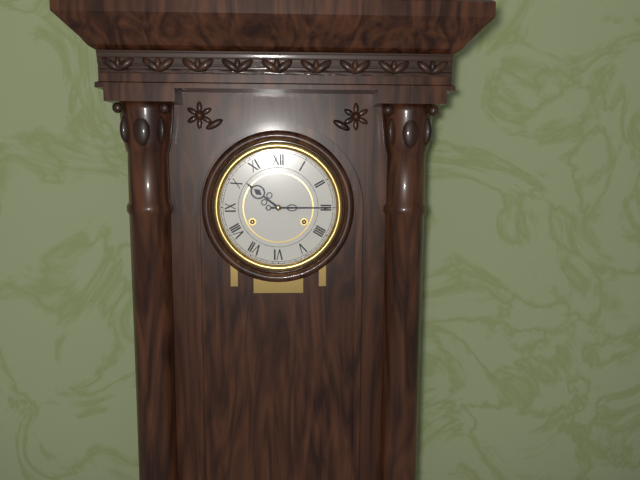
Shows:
10,15
